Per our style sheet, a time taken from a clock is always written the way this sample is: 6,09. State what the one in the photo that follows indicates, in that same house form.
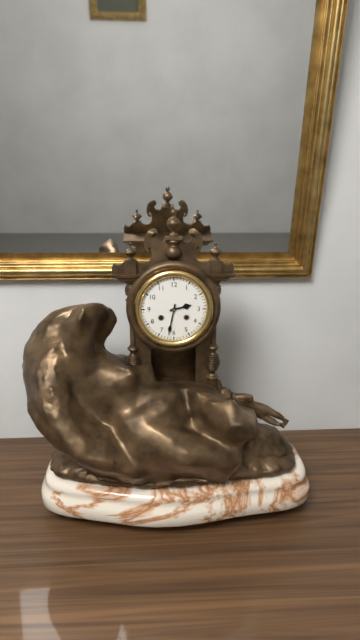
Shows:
2,32
